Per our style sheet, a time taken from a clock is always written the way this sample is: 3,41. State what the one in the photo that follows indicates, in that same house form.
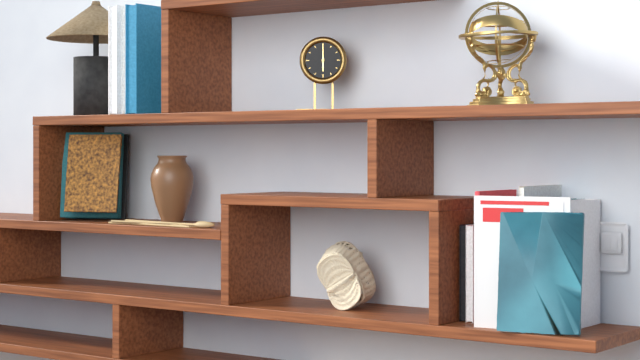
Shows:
6,00
